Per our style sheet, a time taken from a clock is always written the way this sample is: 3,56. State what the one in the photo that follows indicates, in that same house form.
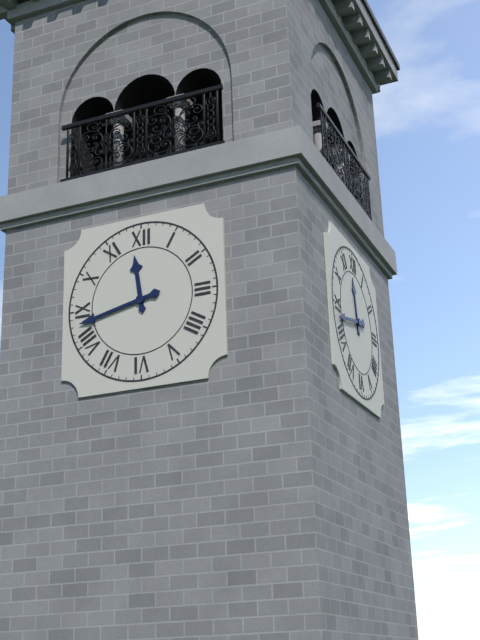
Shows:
11,43
